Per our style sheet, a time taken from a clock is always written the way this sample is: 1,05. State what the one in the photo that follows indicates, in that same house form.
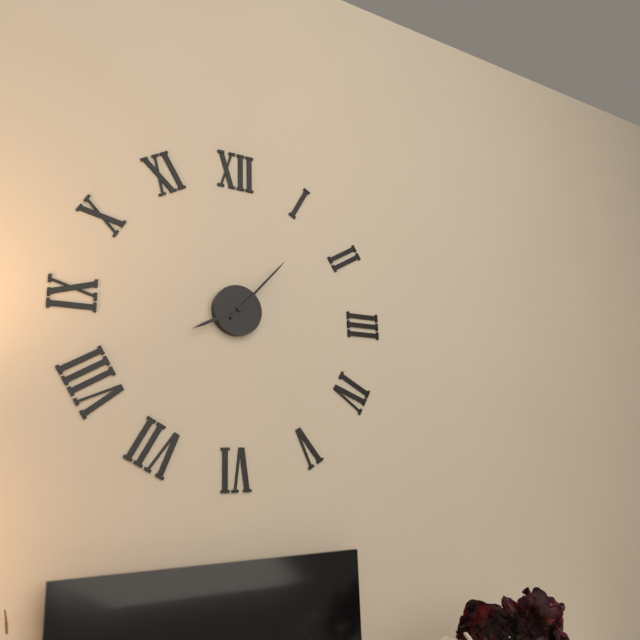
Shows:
8,07
